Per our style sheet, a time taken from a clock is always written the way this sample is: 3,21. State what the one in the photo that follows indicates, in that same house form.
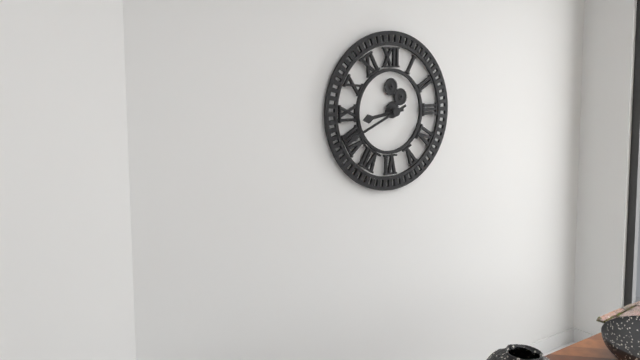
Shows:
8,41
